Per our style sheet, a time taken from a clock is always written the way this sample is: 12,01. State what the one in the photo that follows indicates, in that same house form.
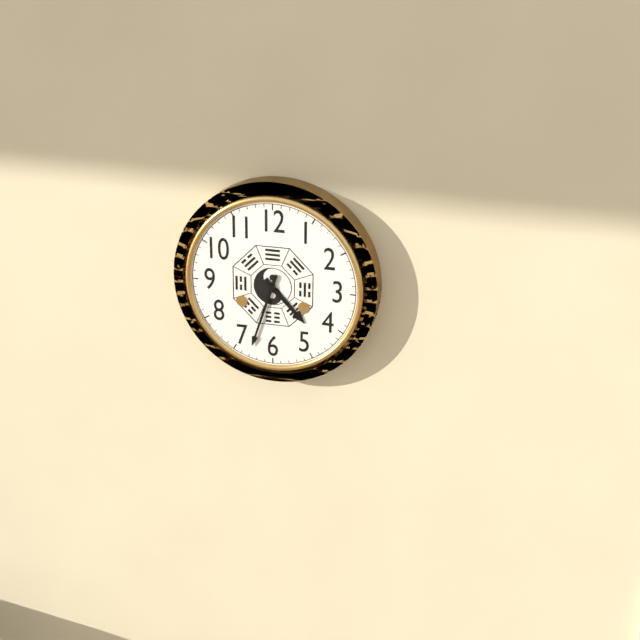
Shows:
4,33
